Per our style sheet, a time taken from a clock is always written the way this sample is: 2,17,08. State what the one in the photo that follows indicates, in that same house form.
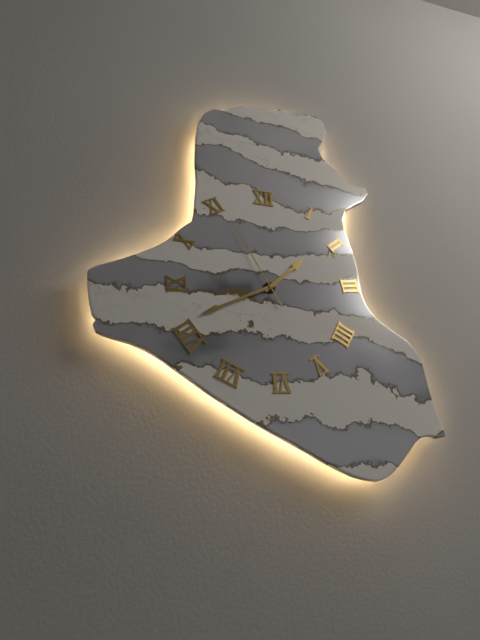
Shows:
1,41,56
